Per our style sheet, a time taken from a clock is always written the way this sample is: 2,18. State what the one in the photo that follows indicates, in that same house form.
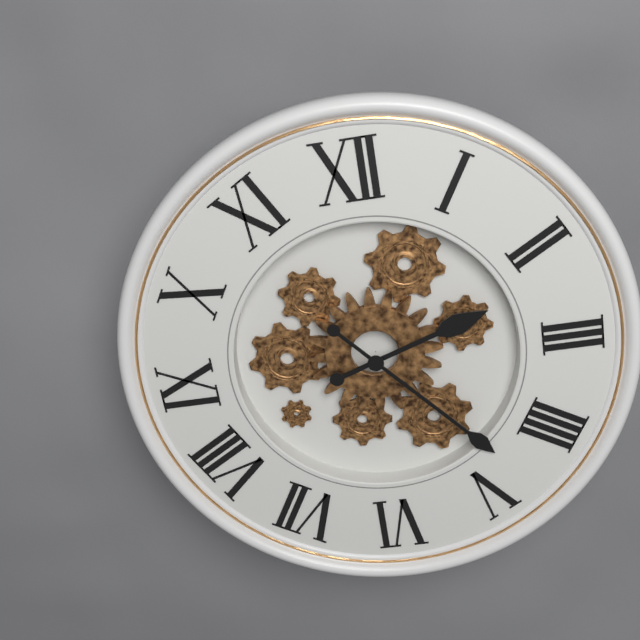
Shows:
2,23
